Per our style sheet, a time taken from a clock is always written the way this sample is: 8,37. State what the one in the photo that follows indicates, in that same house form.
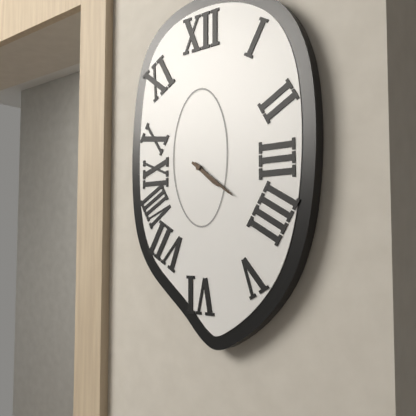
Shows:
4,21
